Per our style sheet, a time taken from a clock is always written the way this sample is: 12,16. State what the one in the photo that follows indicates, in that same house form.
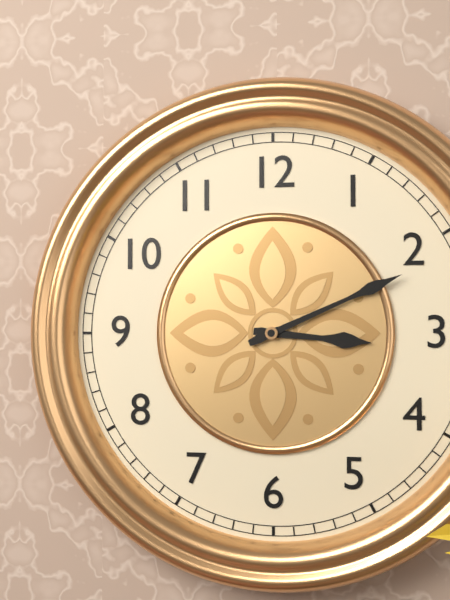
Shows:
3,11
